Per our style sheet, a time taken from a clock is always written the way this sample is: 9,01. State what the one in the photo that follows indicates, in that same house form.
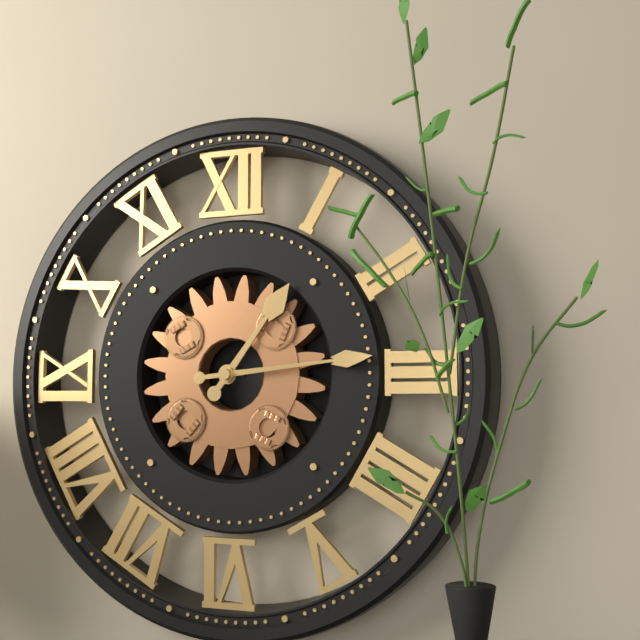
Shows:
1,14
